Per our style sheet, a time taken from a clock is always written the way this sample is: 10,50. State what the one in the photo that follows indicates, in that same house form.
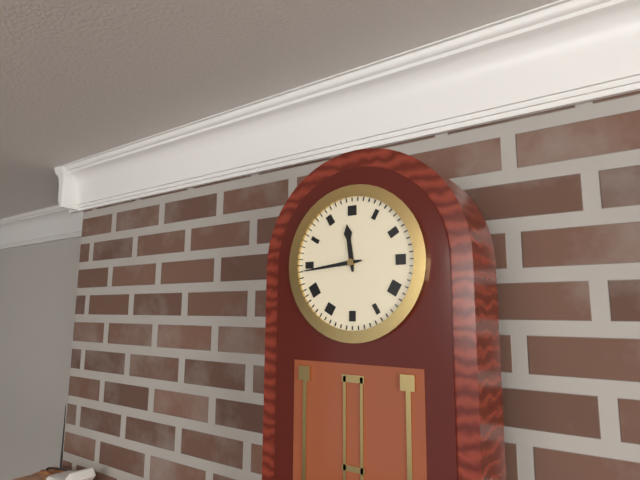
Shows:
11,44
